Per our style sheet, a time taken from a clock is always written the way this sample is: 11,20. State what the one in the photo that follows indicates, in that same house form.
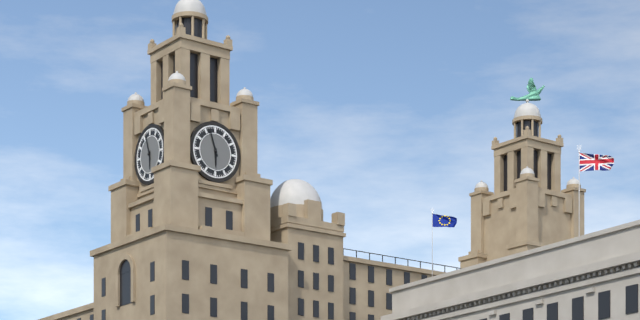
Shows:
5,57
